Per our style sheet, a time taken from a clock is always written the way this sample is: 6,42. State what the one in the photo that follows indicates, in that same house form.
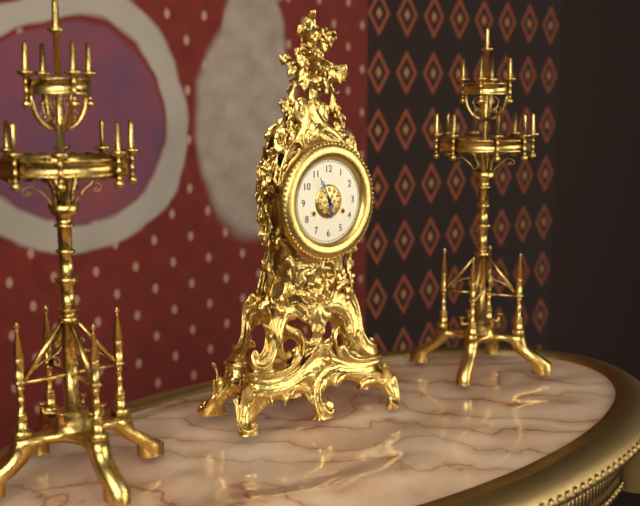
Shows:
5,55
